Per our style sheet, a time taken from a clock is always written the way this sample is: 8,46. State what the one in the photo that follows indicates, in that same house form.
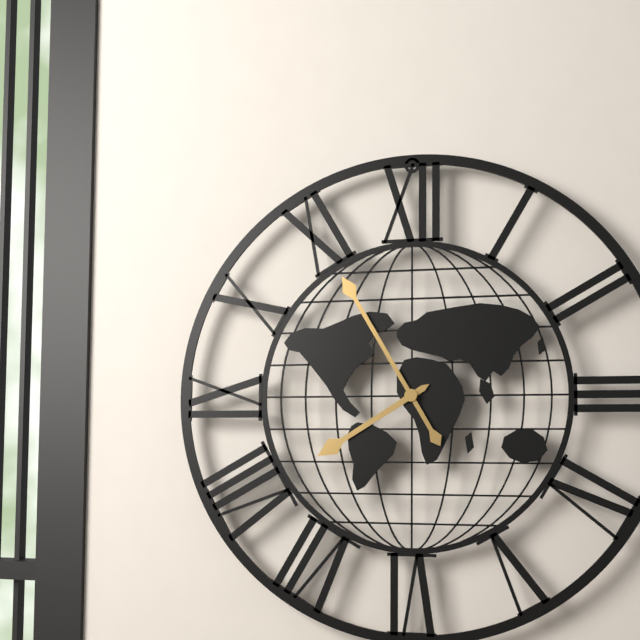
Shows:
7,55
